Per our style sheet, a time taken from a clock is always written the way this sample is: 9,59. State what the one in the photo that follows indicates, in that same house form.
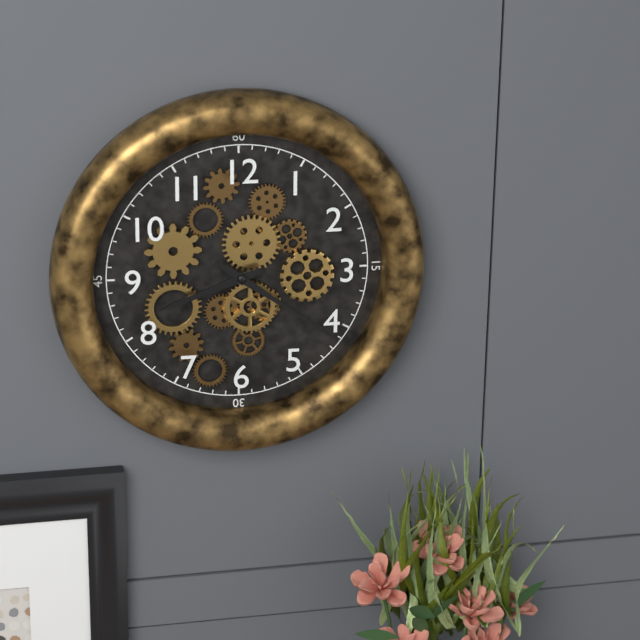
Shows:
8,21
